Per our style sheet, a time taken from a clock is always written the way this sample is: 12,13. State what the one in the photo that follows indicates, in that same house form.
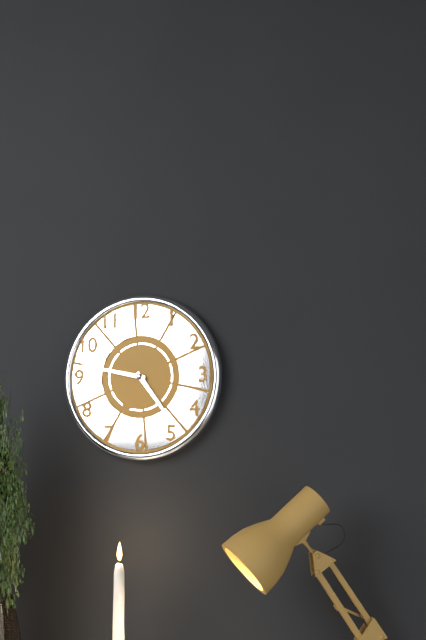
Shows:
4,47
